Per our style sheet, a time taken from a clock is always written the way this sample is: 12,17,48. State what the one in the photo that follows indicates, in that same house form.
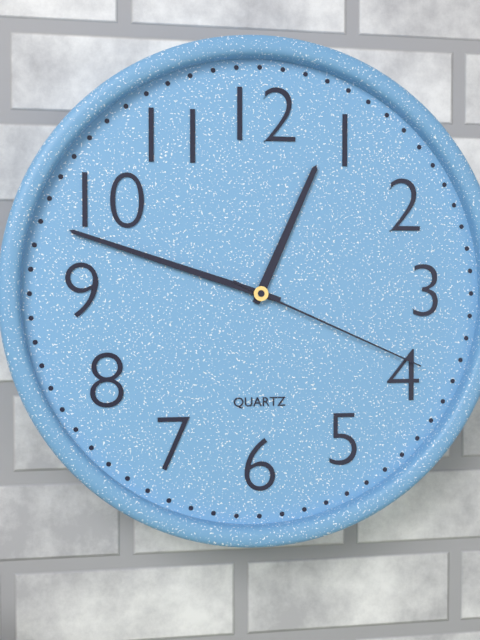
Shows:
12,48,19
